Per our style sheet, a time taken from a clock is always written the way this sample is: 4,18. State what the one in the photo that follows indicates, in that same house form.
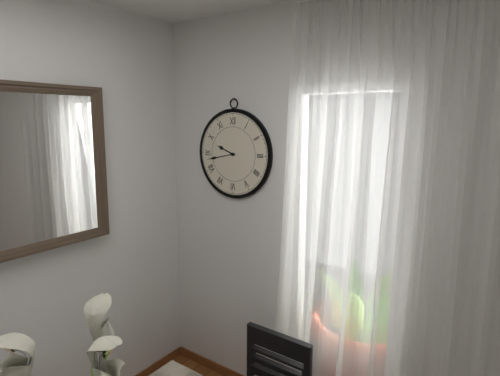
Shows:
9,43
